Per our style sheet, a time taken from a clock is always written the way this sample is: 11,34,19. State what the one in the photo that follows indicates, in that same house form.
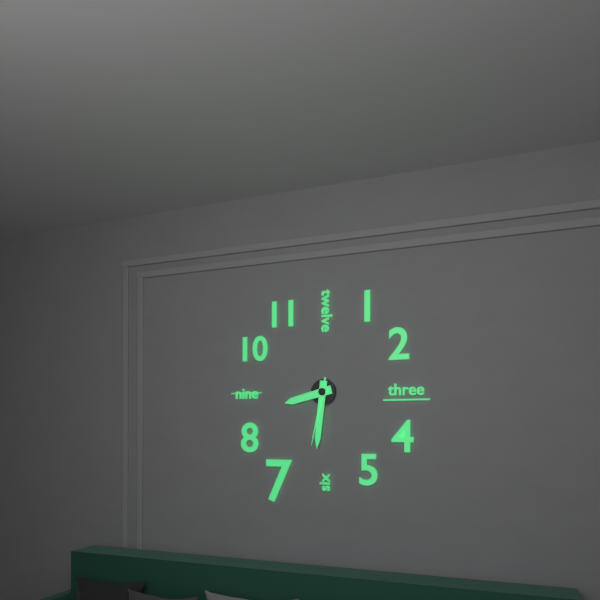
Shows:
8,31,32
